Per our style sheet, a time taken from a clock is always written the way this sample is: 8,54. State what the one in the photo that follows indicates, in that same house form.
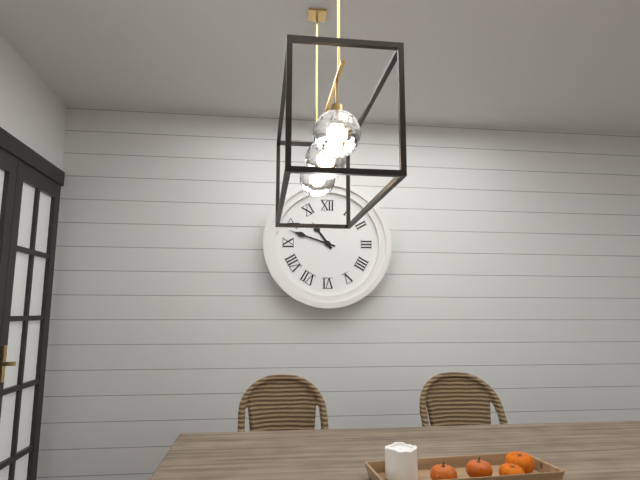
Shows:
10,48
